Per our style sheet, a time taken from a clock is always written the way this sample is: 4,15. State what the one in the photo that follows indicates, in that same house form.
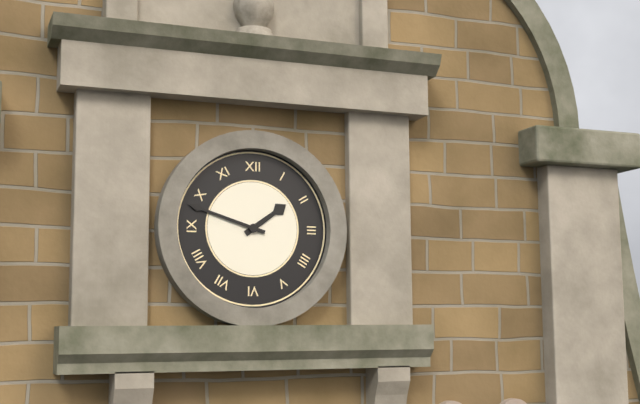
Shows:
1,48
